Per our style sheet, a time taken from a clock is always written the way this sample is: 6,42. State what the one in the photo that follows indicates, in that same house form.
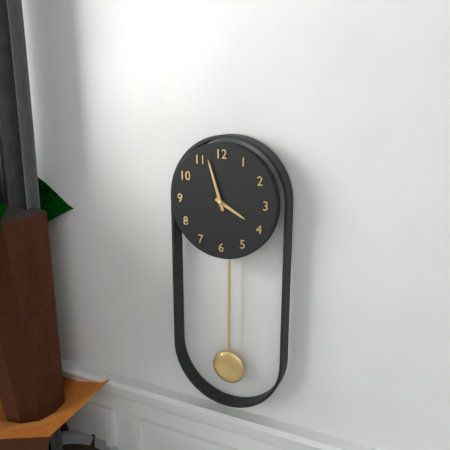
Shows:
3,57
